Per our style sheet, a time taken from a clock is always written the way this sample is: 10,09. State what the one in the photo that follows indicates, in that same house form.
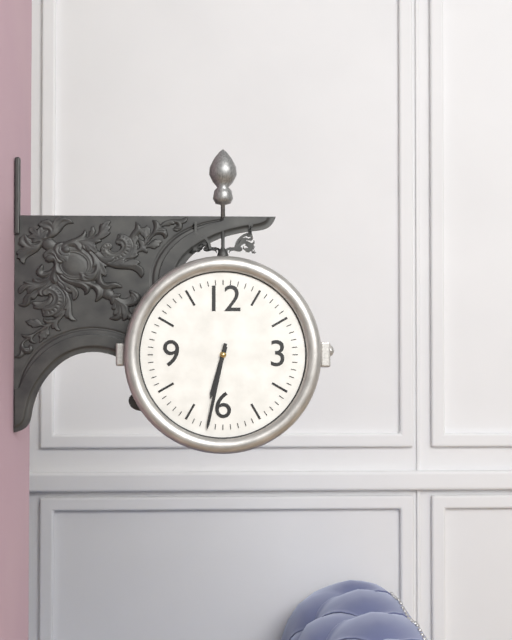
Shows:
6,32
